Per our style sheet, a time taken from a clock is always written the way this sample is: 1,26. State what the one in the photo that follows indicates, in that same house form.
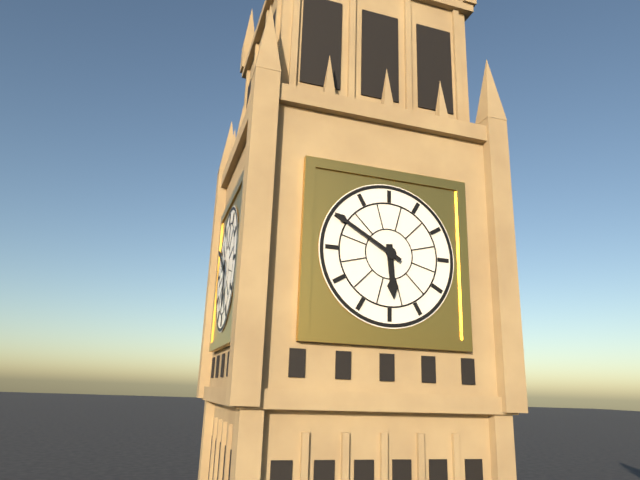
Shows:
5,50
